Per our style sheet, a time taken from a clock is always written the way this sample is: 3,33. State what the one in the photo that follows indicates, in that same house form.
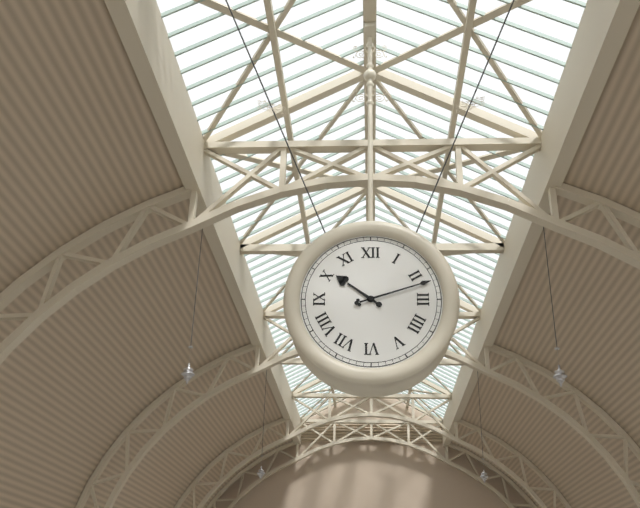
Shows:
10,12
